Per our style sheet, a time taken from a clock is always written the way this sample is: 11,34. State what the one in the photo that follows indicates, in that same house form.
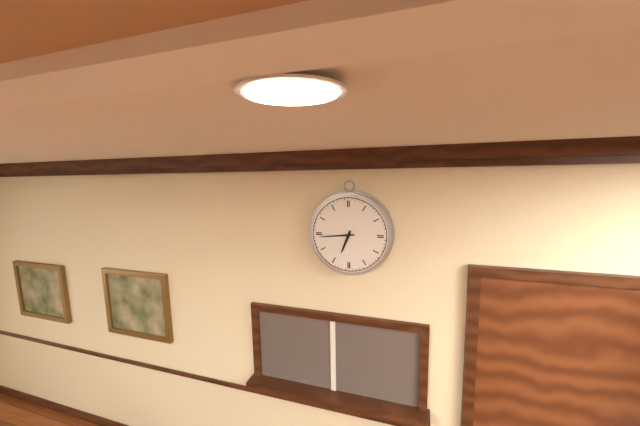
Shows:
6,44
